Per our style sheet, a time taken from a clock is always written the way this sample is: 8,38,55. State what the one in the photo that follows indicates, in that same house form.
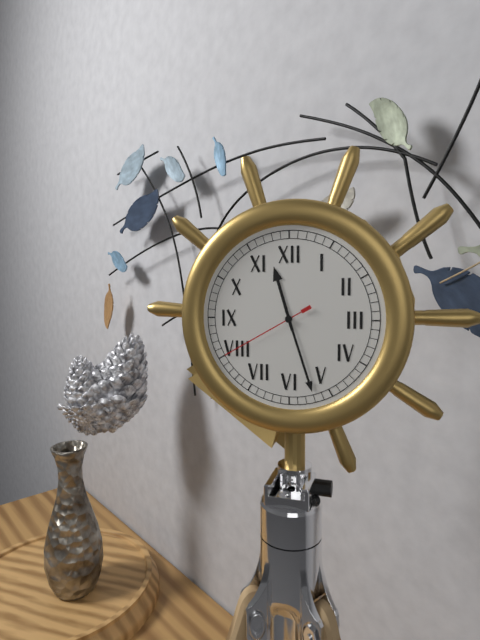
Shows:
11,27,40
